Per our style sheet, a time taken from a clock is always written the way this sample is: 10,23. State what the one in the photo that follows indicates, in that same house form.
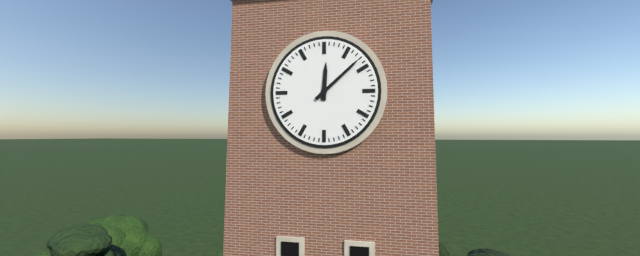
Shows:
12,08
